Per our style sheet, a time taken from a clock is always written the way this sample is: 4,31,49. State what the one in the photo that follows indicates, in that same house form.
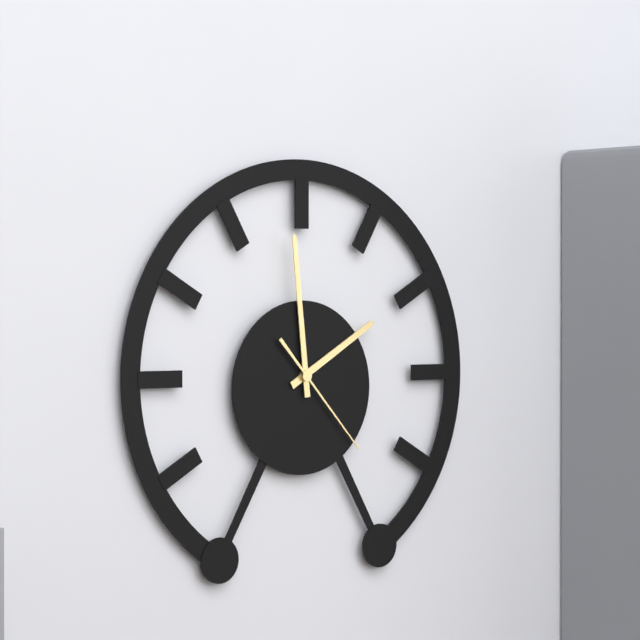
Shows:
1,59,23
